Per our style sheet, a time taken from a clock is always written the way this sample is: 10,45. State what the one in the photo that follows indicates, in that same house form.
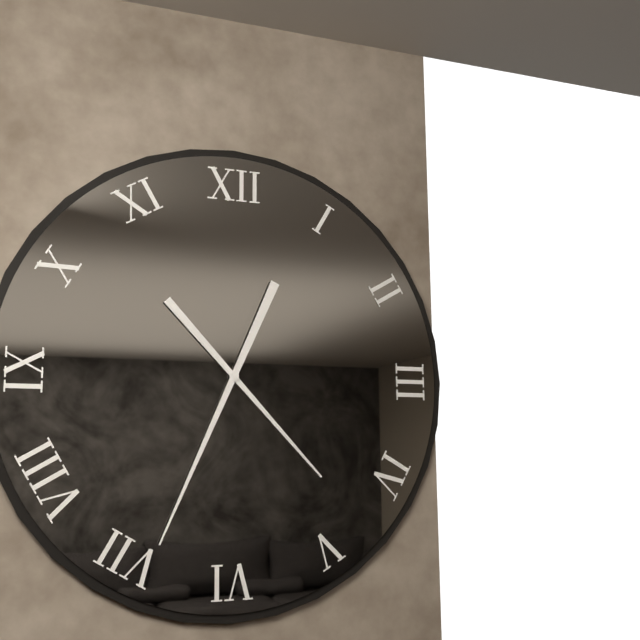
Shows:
4,34
